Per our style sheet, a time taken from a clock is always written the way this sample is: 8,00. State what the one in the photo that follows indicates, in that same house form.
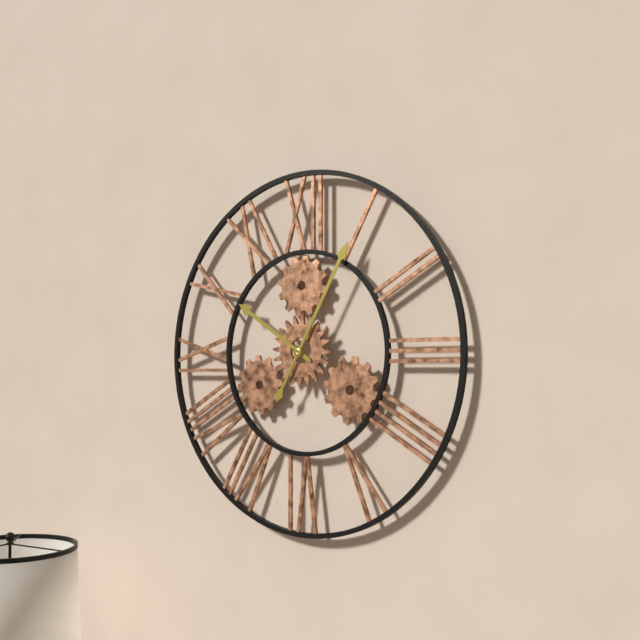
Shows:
10,05
